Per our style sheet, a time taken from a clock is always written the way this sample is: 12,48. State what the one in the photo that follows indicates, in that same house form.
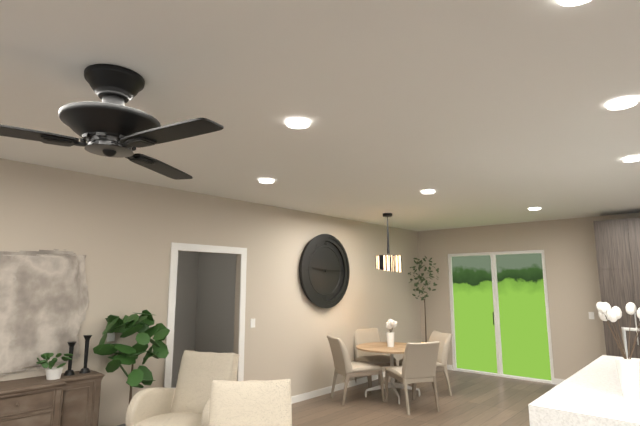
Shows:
9,15
